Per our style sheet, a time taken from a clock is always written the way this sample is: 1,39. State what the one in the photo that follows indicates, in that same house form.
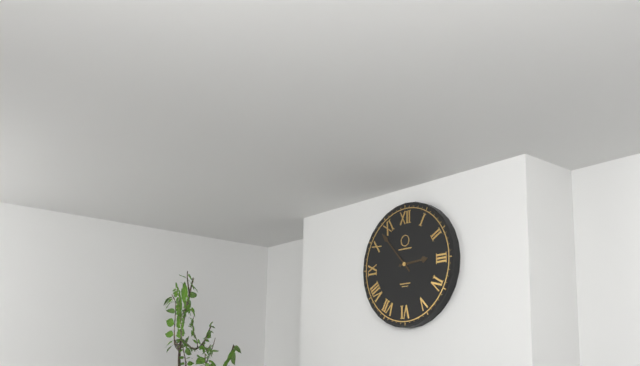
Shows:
2,53
